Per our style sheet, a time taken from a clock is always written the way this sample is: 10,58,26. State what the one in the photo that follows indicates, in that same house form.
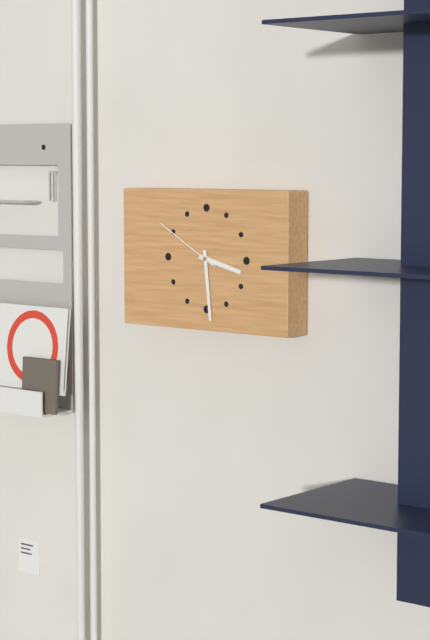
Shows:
3,29,50
